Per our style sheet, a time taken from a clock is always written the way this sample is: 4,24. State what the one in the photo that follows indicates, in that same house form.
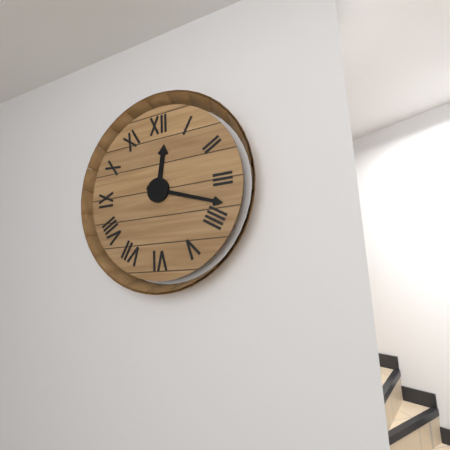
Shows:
12,18
